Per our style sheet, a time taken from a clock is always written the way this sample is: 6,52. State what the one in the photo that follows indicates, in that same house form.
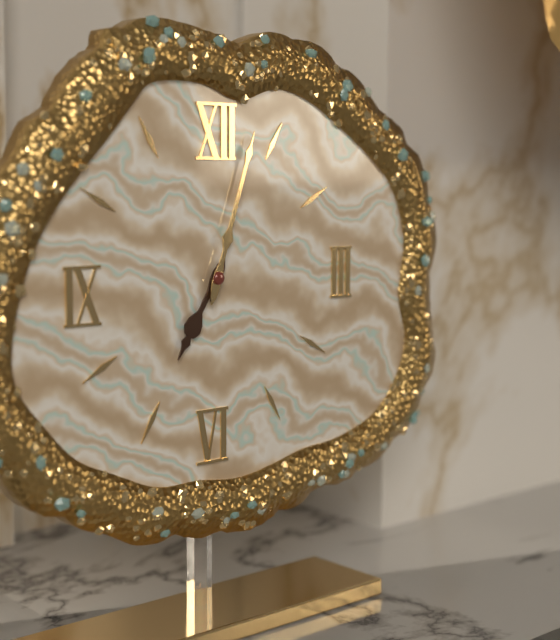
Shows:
7,03
